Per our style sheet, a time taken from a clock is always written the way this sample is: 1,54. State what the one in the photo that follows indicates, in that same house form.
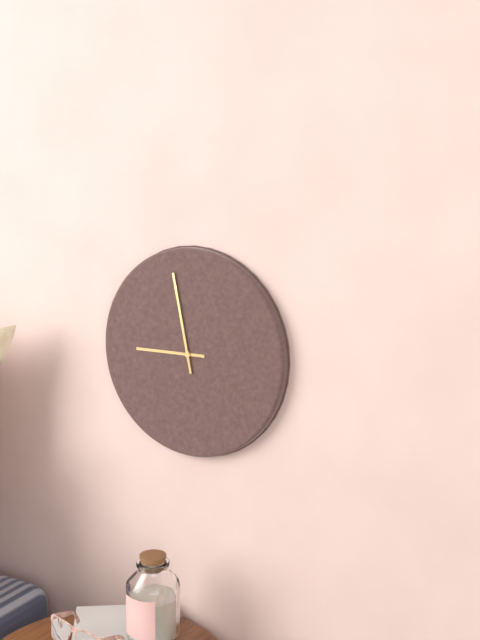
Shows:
8,58
